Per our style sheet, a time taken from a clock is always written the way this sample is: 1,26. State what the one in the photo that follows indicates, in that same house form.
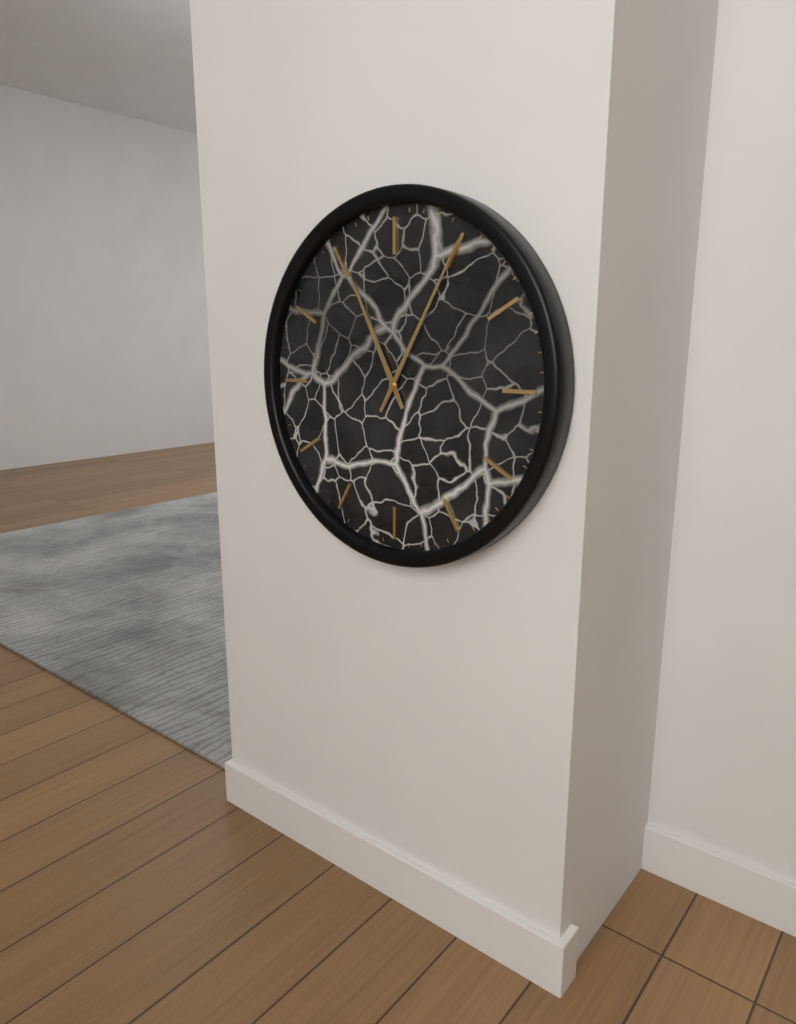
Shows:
11,05
